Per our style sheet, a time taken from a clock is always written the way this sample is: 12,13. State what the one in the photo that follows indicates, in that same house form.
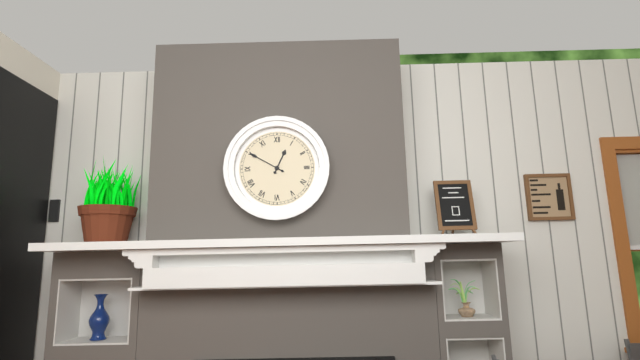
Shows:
12,50
